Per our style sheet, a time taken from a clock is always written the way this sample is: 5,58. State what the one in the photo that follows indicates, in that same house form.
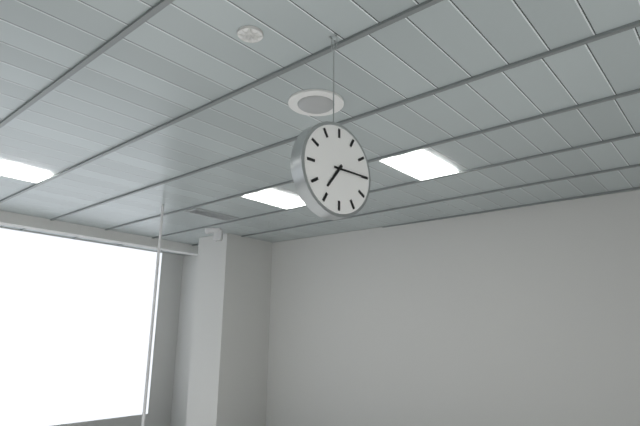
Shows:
7,15
